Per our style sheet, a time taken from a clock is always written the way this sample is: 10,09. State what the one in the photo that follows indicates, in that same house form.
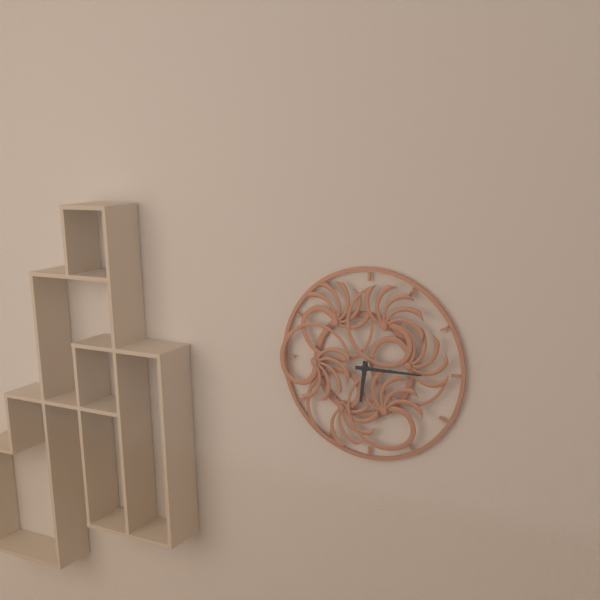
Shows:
6,15
